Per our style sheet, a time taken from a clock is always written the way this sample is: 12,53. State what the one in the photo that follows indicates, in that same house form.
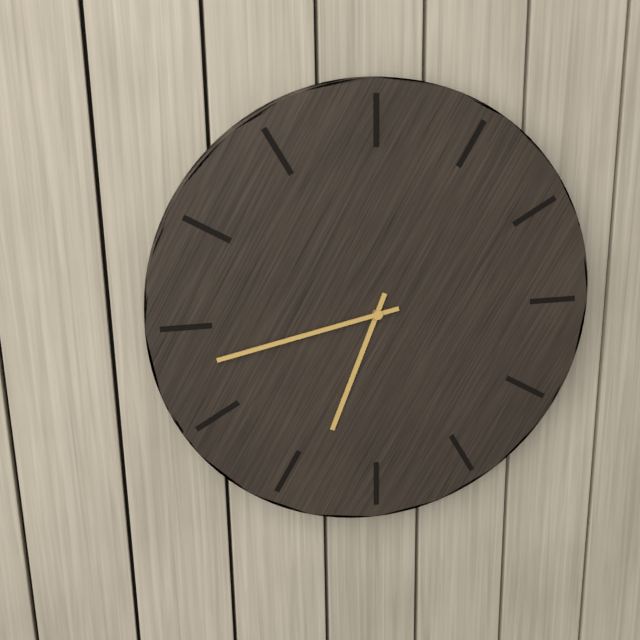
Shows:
6,43
